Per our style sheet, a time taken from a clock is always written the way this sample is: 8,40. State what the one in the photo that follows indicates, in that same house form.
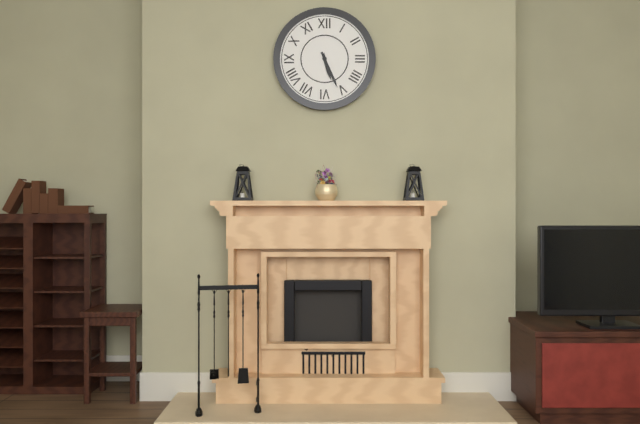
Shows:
5,26
